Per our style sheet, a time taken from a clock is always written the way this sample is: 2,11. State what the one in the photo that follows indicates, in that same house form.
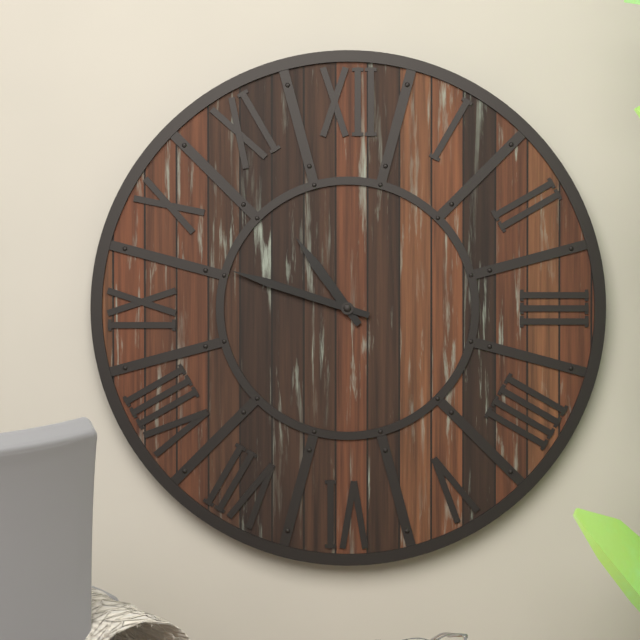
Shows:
10,48
